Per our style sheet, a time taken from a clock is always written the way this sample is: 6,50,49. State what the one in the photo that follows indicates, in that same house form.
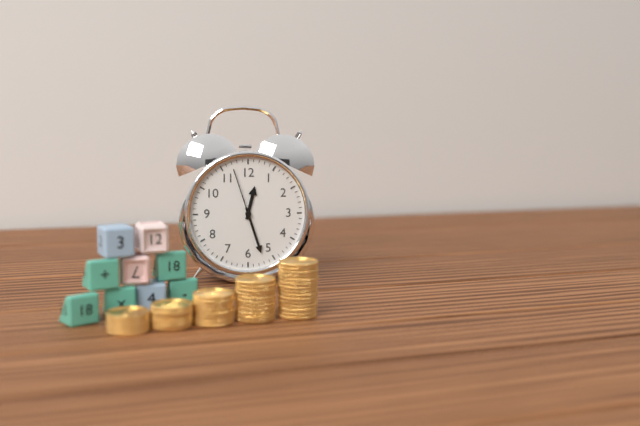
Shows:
12,27,57
